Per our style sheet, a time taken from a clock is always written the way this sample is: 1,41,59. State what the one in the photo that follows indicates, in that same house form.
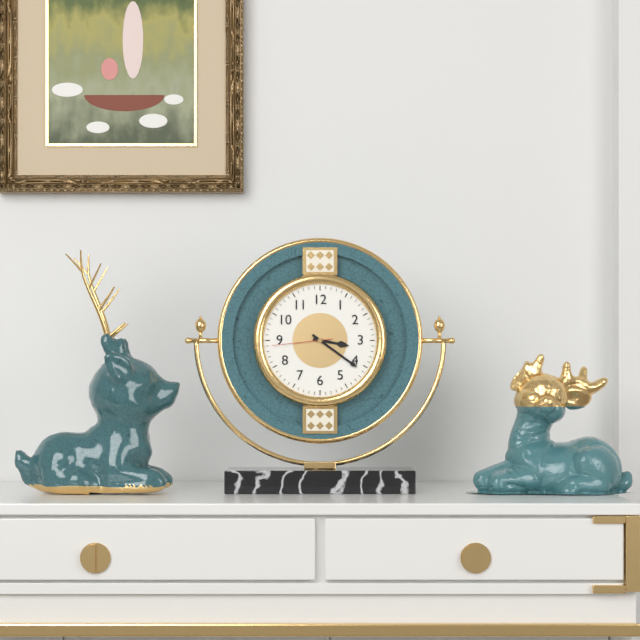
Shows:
3,21,44
